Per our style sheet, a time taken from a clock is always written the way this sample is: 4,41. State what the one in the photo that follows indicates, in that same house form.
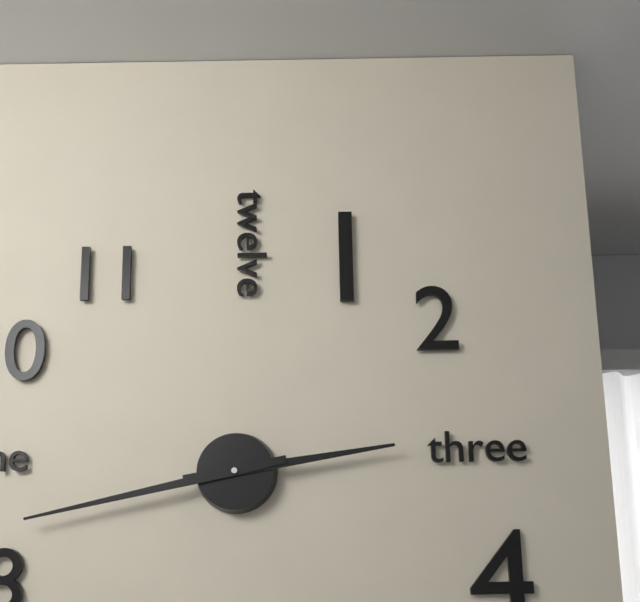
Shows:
2,43
